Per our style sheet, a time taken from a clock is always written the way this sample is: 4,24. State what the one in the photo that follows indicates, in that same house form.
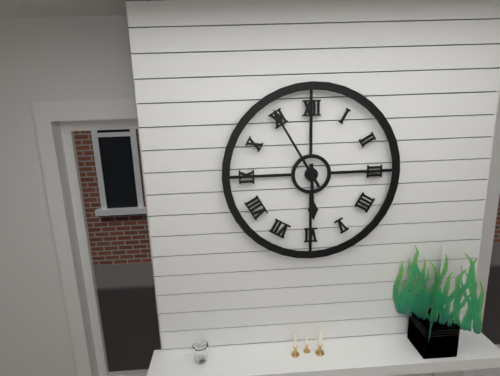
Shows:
5,55
